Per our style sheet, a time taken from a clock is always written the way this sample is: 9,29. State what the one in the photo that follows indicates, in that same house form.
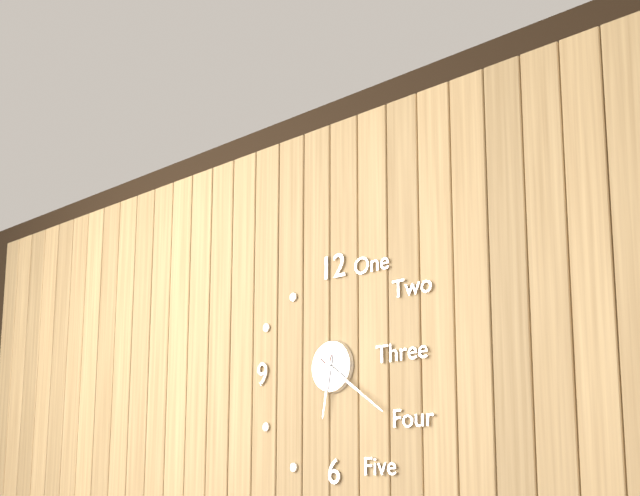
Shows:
6,21
